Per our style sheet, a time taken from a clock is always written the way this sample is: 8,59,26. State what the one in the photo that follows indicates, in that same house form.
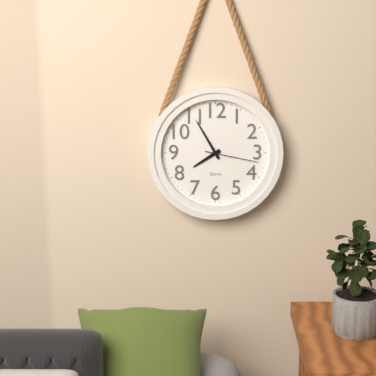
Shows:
7,55,17
